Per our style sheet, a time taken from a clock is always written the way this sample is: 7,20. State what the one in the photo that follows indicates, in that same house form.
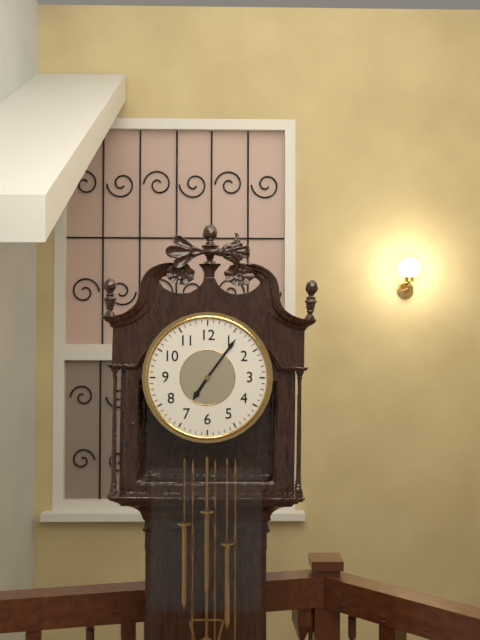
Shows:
7,06
